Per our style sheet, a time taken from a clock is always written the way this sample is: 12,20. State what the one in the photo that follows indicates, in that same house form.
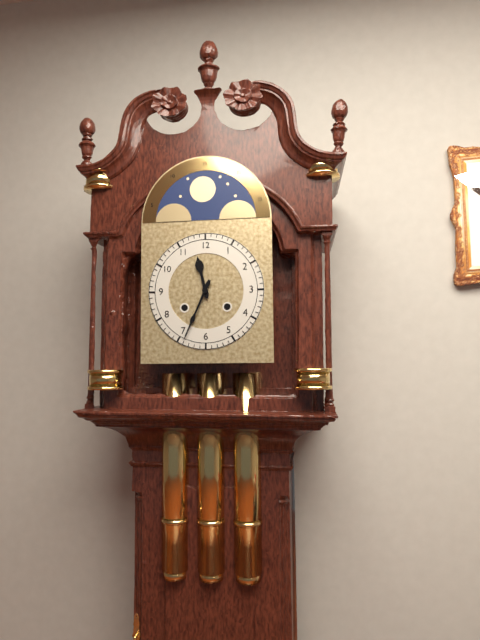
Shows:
11,34
